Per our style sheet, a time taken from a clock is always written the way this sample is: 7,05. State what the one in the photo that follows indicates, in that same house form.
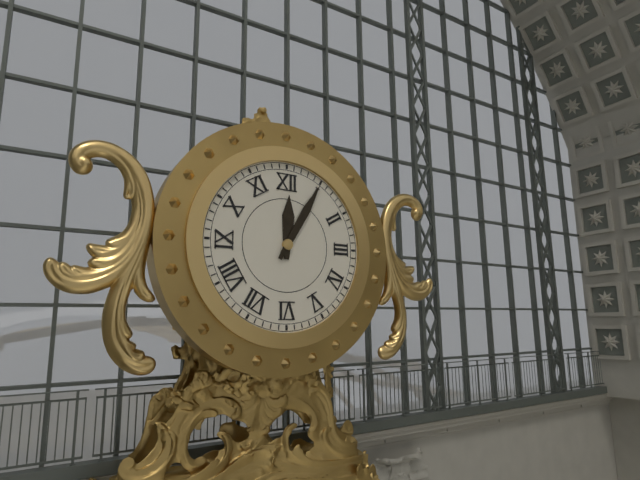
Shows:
12,05
